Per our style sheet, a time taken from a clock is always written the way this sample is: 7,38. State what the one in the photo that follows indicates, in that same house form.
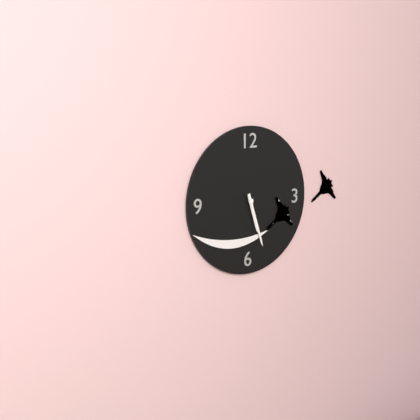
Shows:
5,27
